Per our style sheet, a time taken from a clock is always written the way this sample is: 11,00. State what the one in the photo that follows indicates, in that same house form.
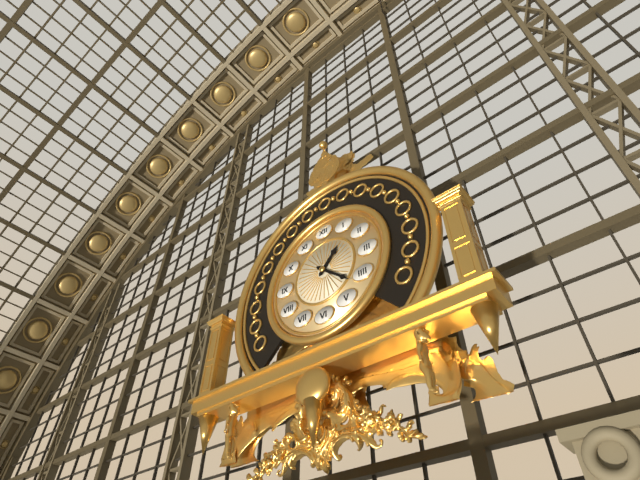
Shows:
1,22
